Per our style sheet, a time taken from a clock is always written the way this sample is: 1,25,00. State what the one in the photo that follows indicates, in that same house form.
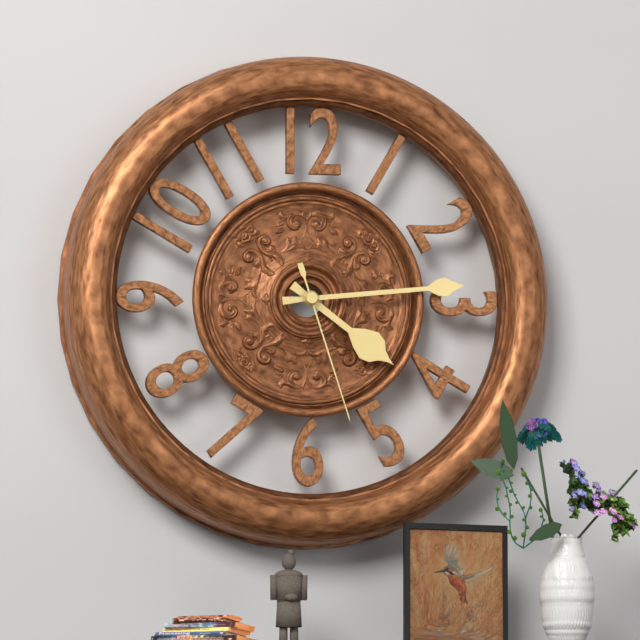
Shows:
4,14,27
